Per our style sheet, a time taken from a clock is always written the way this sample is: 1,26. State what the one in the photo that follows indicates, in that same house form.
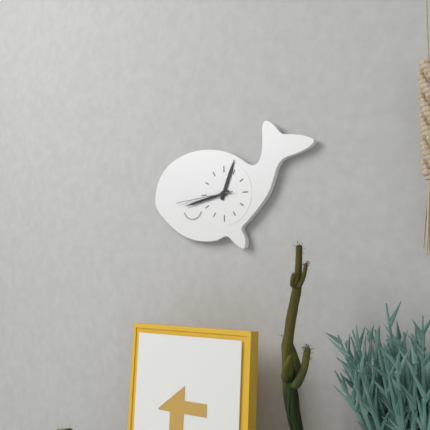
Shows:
12,43
